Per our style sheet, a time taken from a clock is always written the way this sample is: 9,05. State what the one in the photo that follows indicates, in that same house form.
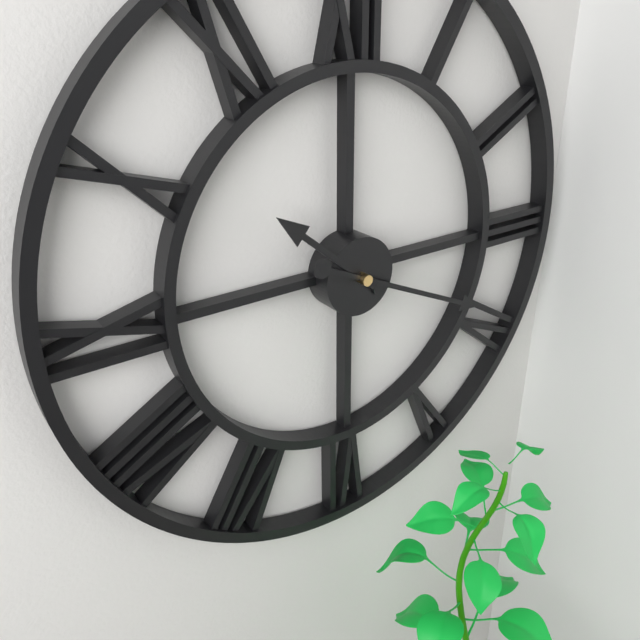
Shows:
10,19
